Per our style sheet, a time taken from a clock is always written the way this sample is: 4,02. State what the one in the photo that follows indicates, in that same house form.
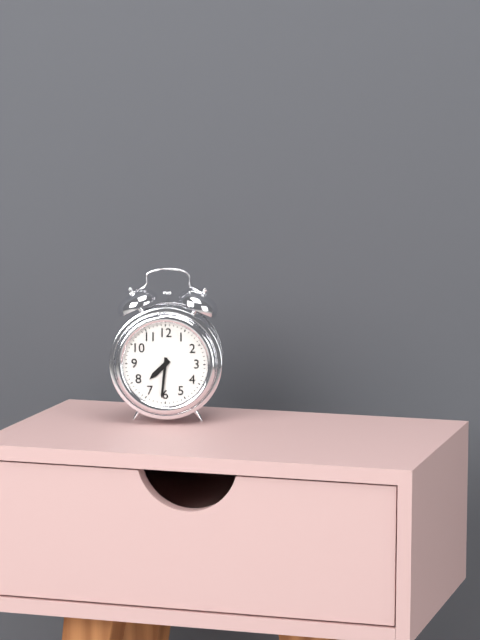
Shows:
7,31
